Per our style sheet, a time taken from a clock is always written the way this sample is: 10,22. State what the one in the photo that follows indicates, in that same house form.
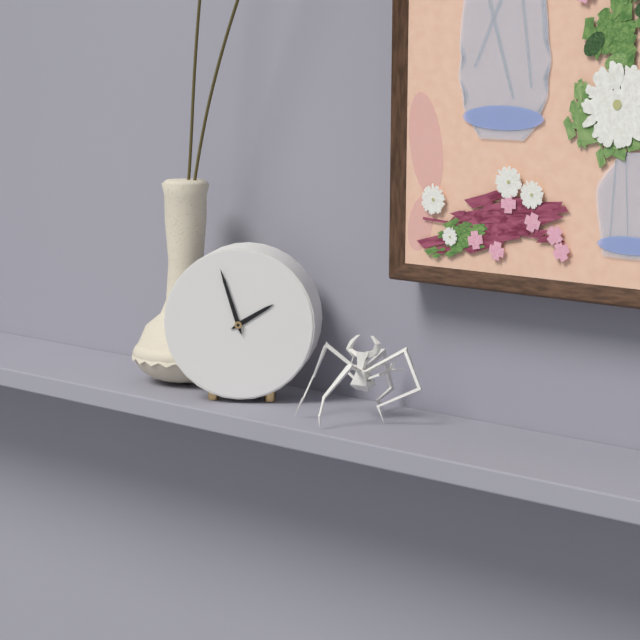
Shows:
1,57
